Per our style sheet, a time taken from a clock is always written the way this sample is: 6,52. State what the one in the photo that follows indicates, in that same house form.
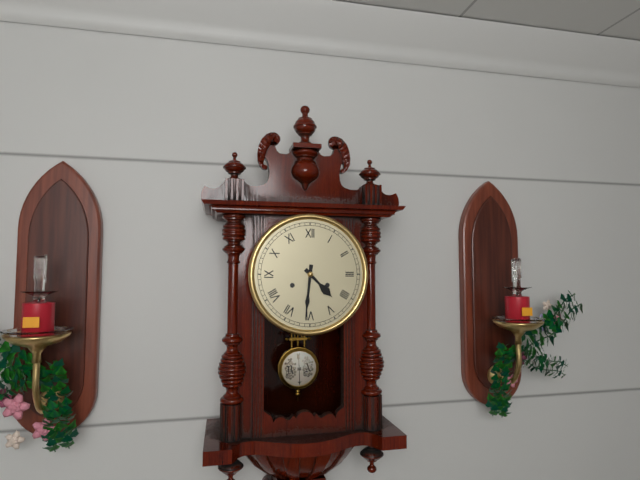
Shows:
4,31
